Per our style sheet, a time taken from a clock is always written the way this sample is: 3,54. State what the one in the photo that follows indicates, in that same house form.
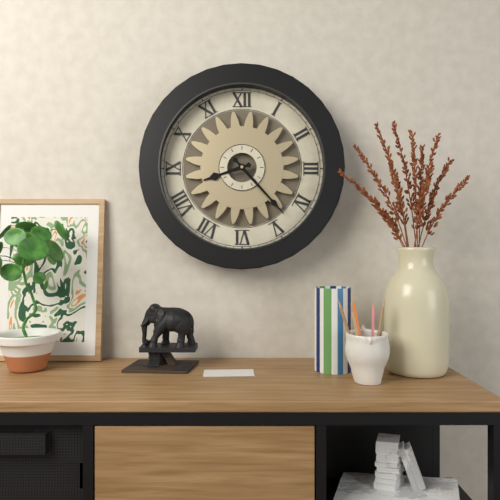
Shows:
8,23
